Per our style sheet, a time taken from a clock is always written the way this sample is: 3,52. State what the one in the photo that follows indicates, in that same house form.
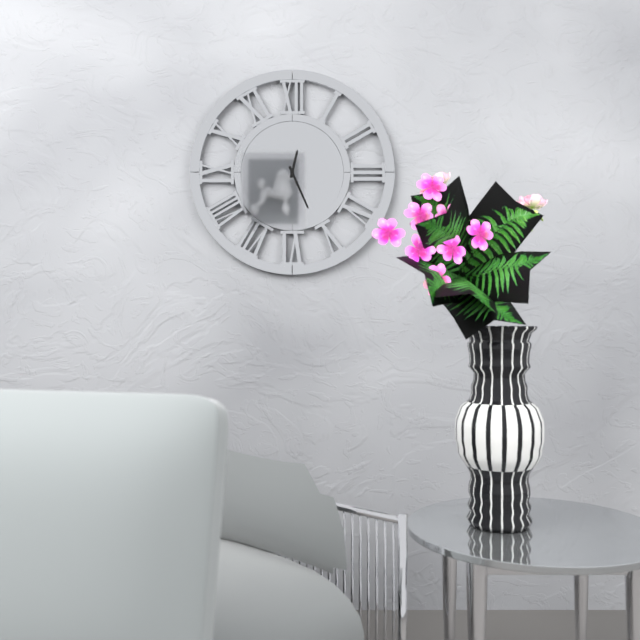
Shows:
12,26
